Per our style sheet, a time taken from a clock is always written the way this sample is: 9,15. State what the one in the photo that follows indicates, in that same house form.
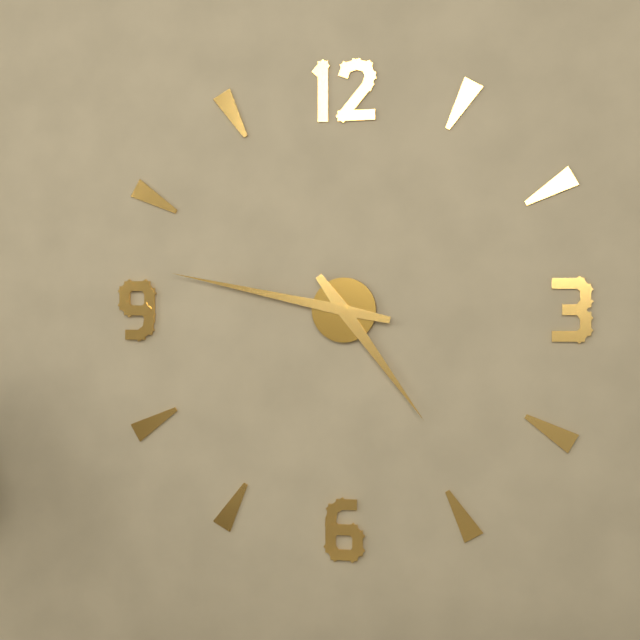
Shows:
4,47
